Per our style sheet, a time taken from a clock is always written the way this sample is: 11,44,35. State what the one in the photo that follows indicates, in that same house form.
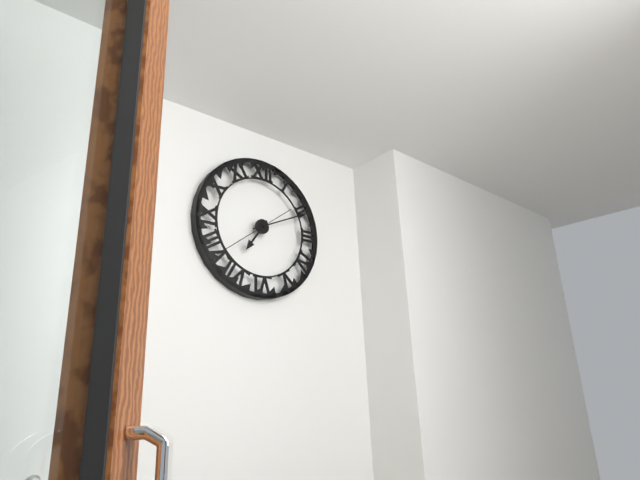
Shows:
7,11,39
